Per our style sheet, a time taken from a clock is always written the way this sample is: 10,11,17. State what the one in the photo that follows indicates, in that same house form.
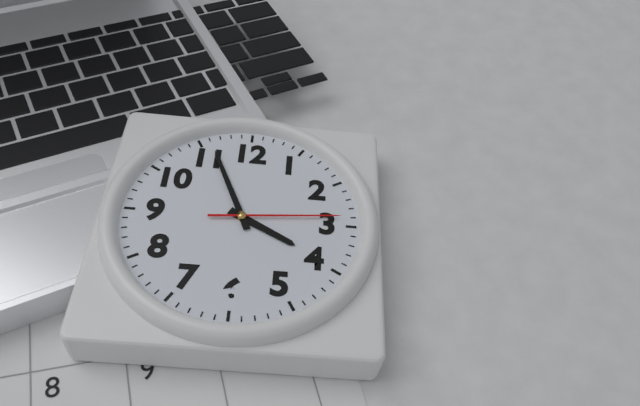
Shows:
3,56,14
